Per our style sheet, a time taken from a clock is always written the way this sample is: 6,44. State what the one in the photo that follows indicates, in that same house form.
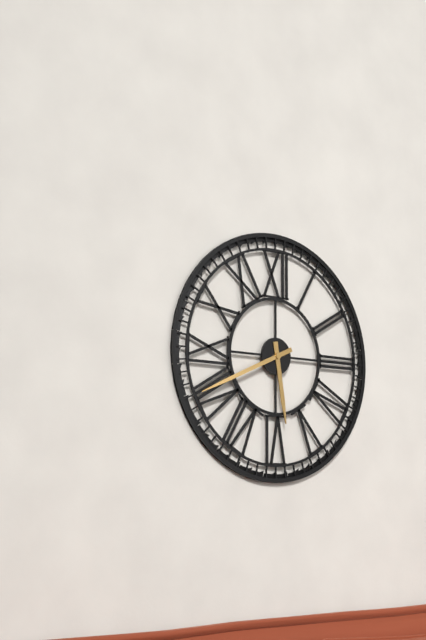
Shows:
5,41
